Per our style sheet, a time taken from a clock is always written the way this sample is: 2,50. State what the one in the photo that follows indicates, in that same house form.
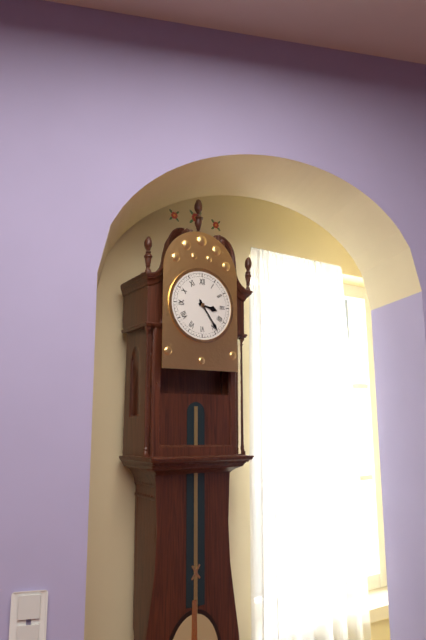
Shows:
3,24
